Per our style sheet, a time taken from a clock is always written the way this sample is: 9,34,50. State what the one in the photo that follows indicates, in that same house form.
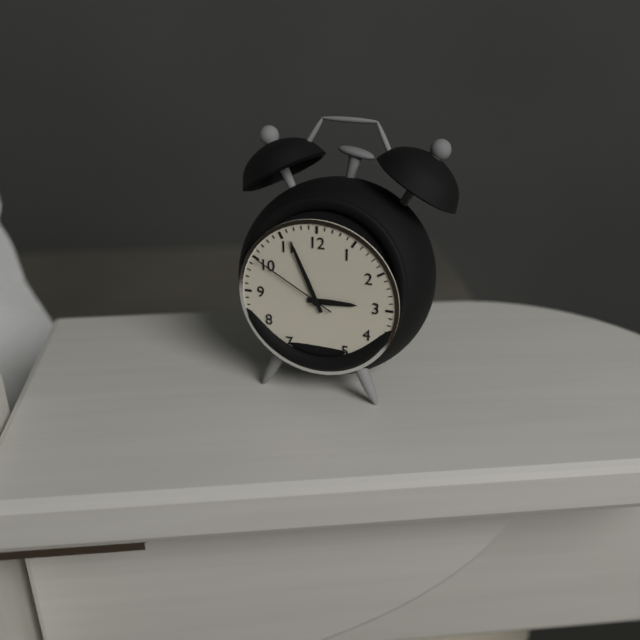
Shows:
2,56,50
